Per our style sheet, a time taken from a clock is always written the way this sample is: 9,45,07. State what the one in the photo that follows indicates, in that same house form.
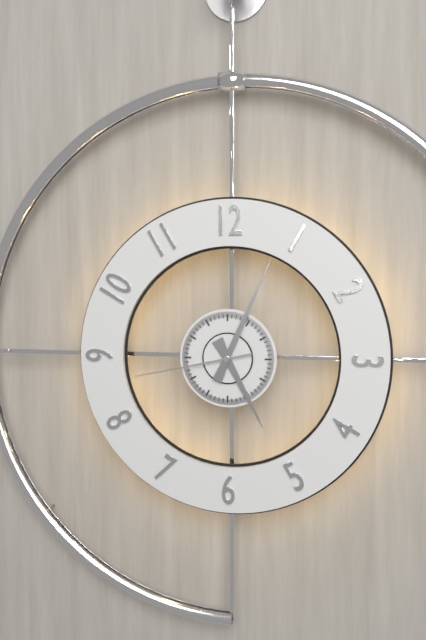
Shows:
5,04,43
